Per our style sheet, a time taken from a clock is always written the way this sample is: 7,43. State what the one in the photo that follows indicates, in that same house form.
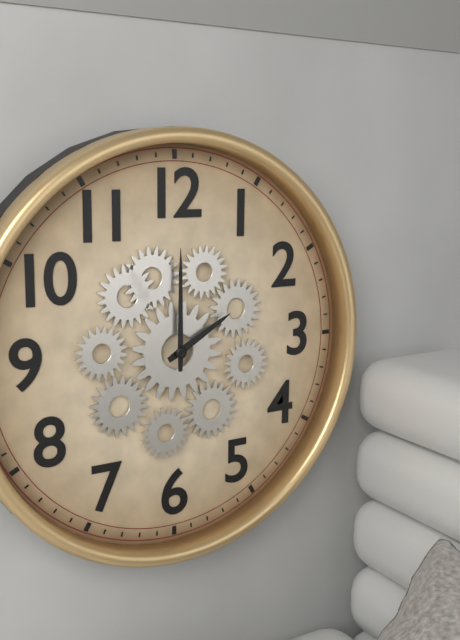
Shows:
2,00
